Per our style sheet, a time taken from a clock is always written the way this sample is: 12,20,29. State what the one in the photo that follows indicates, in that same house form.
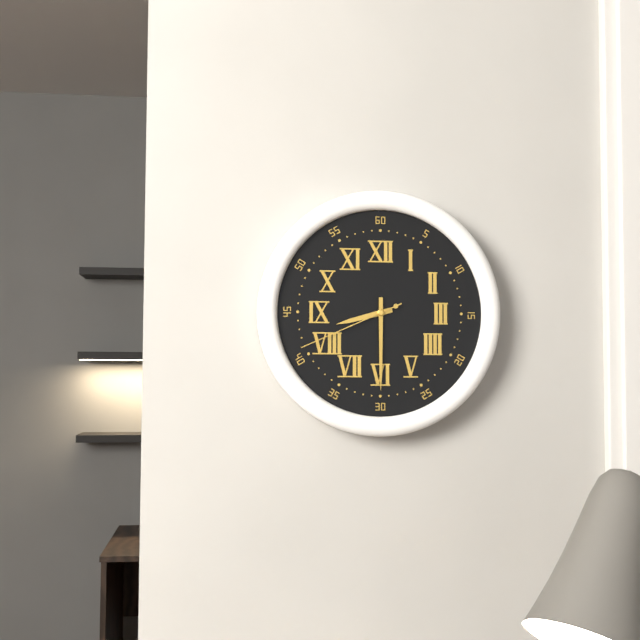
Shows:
8,30,41
